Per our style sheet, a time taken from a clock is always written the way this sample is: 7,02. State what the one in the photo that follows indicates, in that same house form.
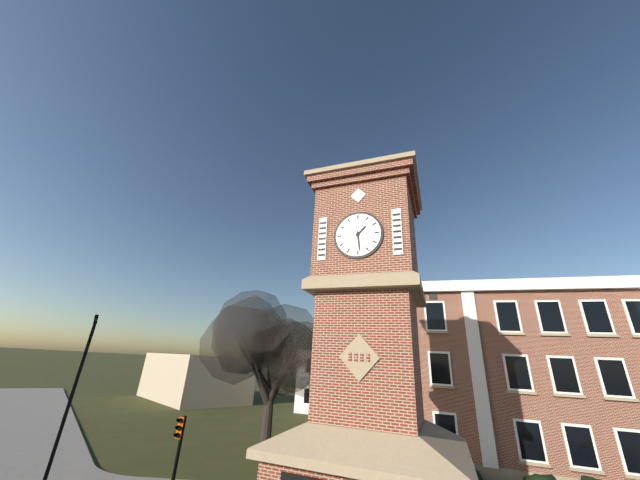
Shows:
1,29
